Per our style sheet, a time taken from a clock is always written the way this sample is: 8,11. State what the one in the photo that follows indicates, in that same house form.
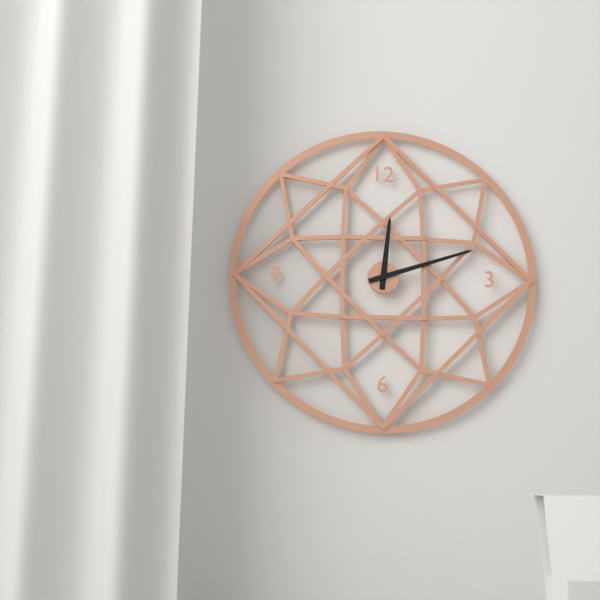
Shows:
12,12
